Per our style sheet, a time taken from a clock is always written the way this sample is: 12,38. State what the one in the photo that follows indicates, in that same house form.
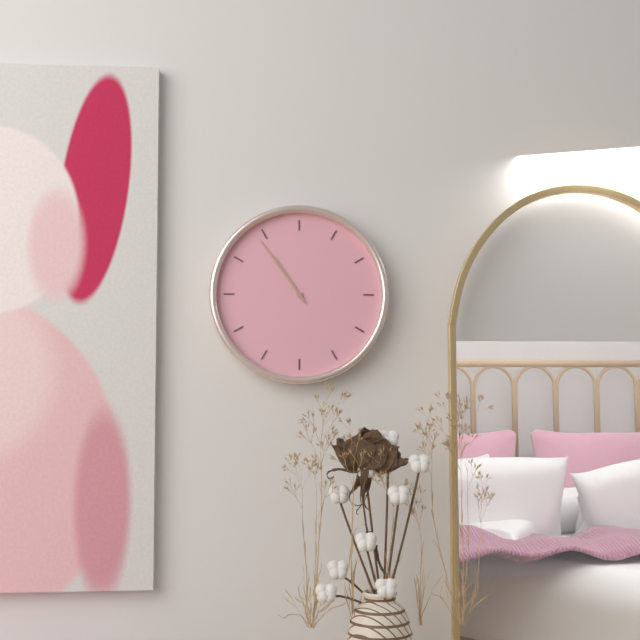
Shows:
10,54
